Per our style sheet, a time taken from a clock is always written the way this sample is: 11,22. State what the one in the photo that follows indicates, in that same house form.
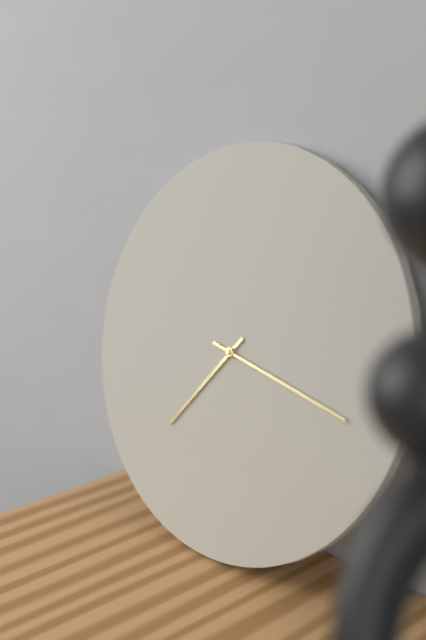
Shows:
7,17
